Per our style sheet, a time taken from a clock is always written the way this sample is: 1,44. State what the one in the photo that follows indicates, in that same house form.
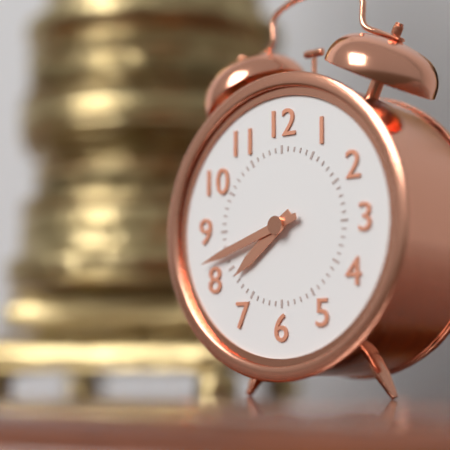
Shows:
7,42
